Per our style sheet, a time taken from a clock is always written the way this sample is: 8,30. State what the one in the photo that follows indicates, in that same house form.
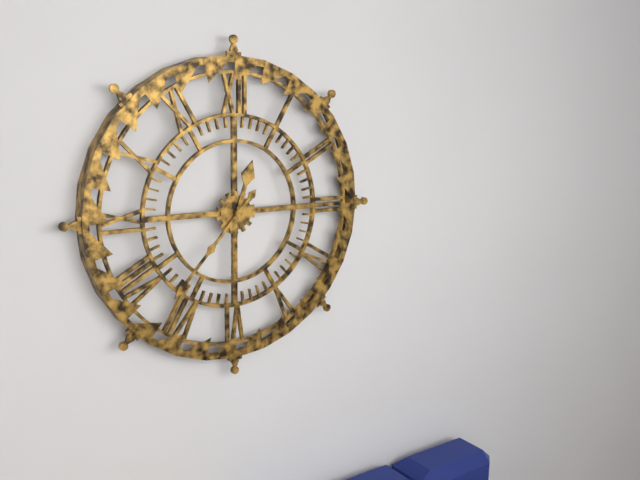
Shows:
12,37
